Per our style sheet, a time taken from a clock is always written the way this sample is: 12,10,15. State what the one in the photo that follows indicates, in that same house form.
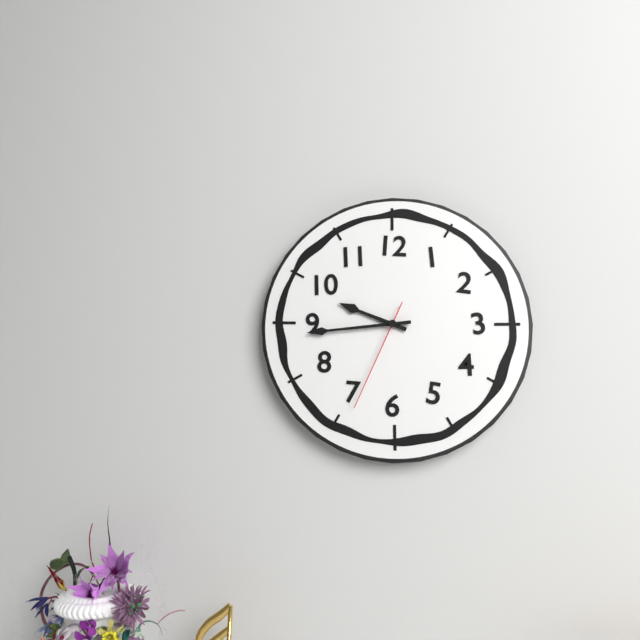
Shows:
9,44,34
